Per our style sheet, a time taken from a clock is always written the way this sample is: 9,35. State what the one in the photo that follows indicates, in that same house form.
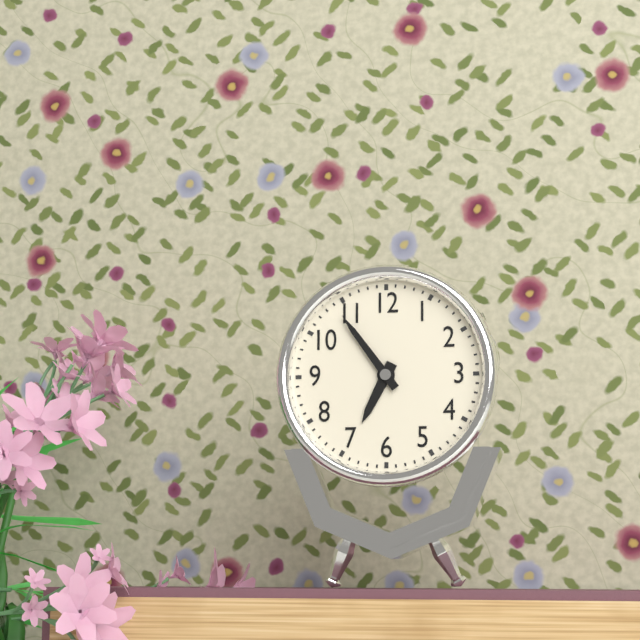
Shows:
6,54
